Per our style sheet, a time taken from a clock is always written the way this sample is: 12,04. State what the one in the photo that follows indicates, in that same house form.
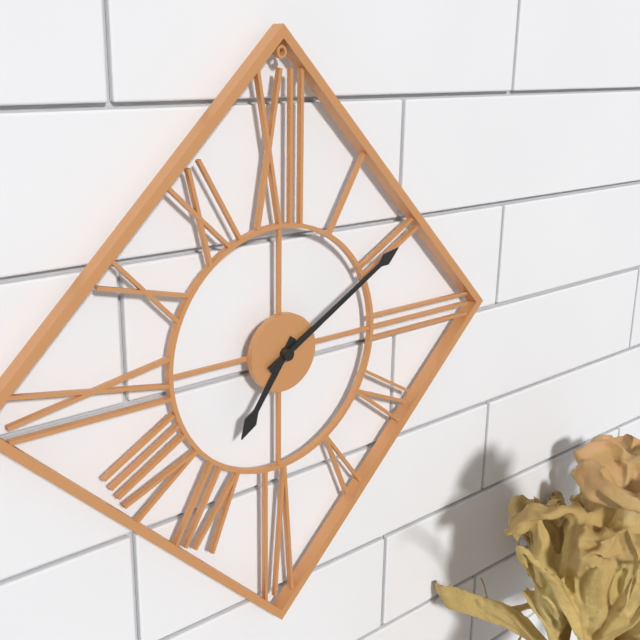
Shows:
7,10
